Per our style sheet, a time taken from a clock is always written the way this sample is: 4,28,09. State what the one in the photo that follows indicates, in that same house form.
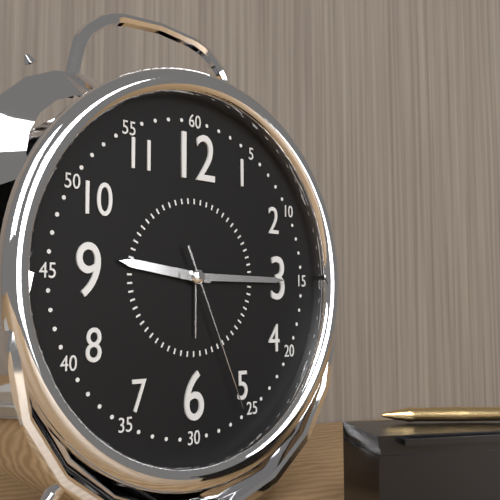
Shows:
9,15,26
